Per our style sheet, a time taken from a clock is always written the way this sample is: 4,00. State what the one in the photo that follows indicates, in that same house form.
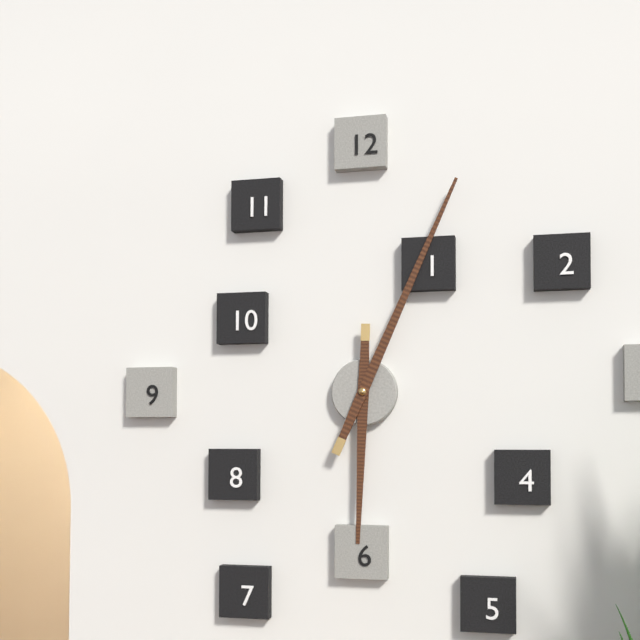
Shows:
6,04
